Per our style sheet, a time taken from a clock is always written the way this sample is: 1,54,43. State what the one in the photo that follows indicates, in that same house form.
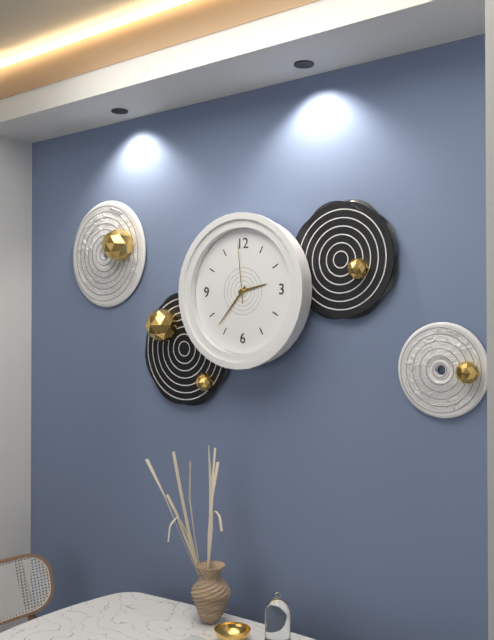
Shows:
2,37,59
